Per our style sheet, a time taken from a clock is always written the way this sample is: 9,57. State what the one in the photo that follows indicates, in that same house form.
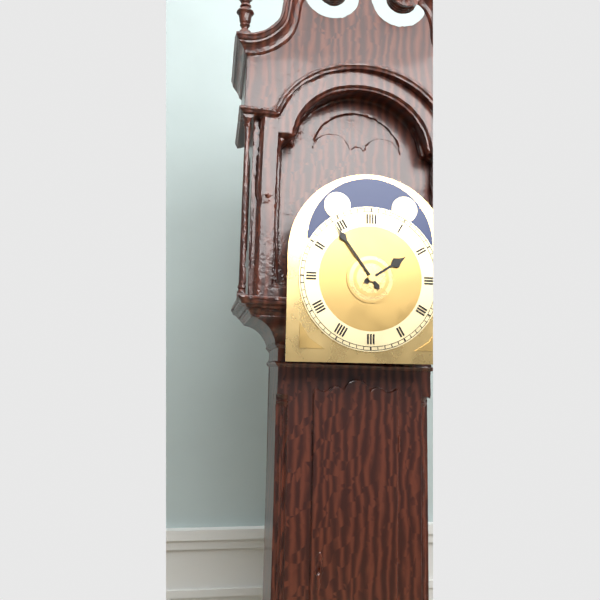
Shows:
1,54
